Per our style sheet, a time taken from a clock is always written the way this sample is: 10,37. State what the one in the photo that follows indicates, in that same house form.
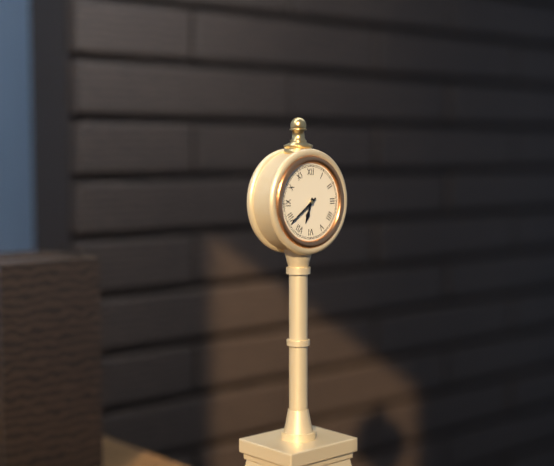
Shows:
6,39
